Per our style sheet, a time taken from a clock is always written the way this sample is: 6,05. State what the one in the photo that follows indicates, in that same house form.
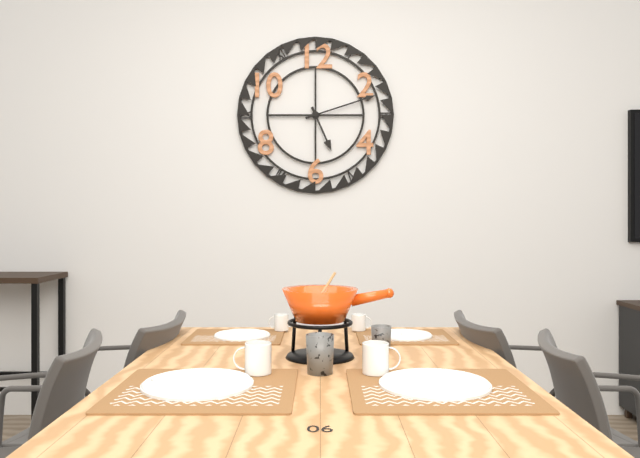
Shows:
5,12
